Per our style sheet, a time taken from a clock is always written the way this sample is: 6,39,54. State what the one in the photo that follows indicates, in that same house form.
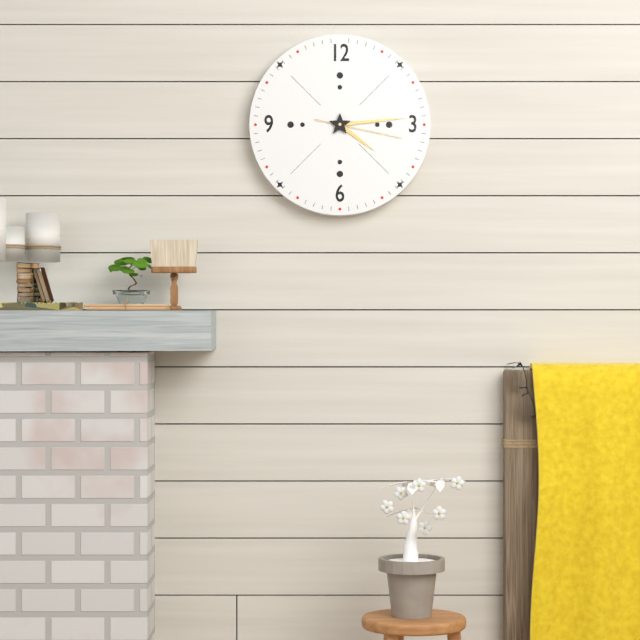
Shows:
4,14,17
